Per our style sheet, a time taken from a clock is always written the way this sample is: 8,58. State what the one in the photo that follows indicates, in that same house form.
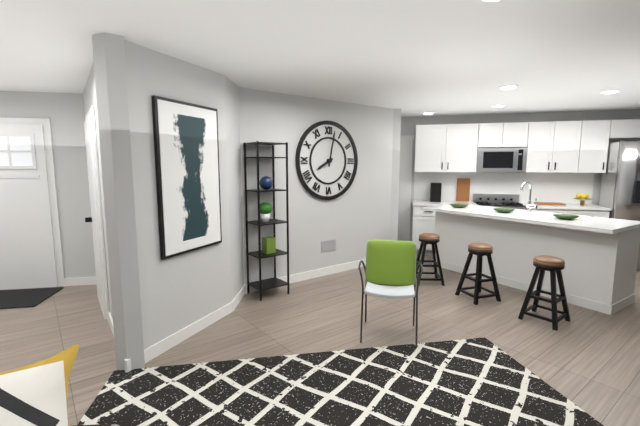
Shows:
8,02
